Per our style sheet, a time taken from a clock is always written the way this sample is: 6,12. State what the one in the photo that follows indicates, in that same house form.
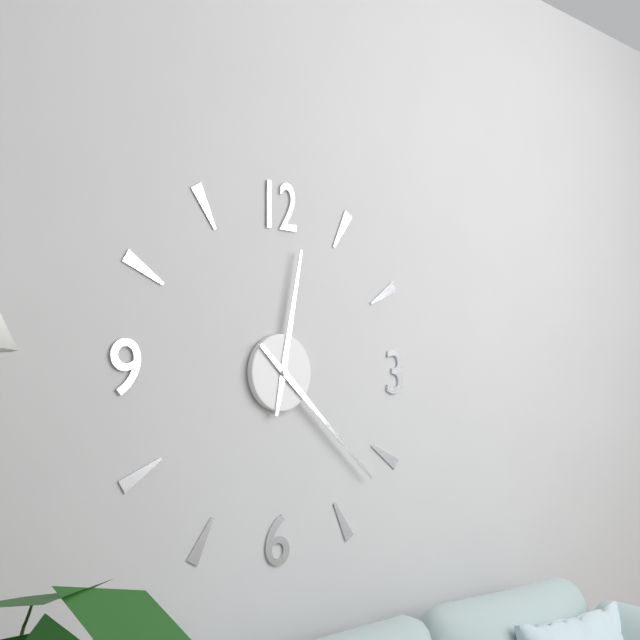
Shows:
12,22
